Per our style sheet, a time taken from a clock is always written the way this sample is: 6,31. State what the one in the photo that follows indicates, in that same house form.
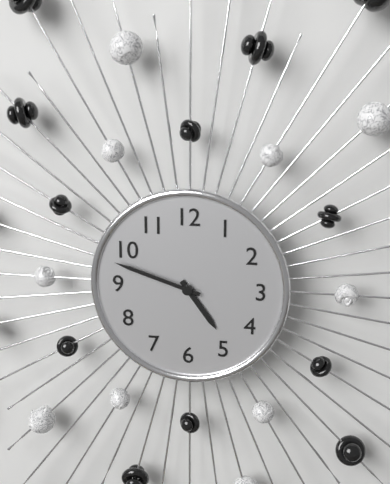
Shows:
4,48
